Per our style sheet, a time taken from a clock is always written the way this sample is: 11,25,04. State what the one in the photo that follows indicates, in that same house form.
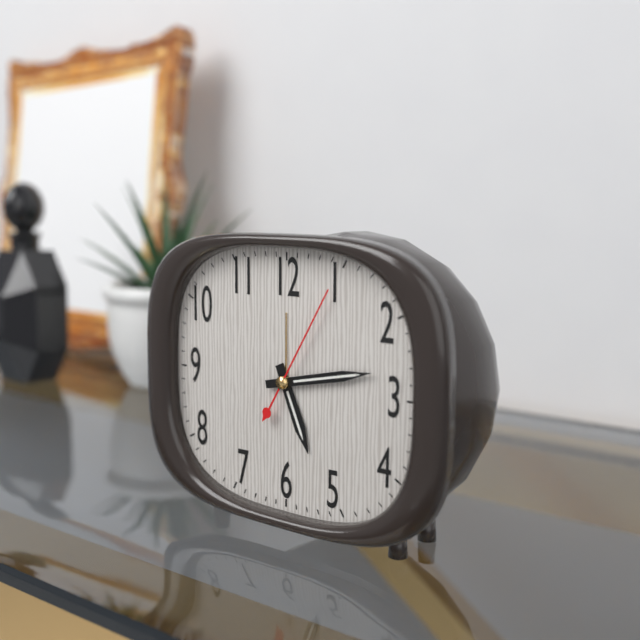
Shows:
5,13,05
